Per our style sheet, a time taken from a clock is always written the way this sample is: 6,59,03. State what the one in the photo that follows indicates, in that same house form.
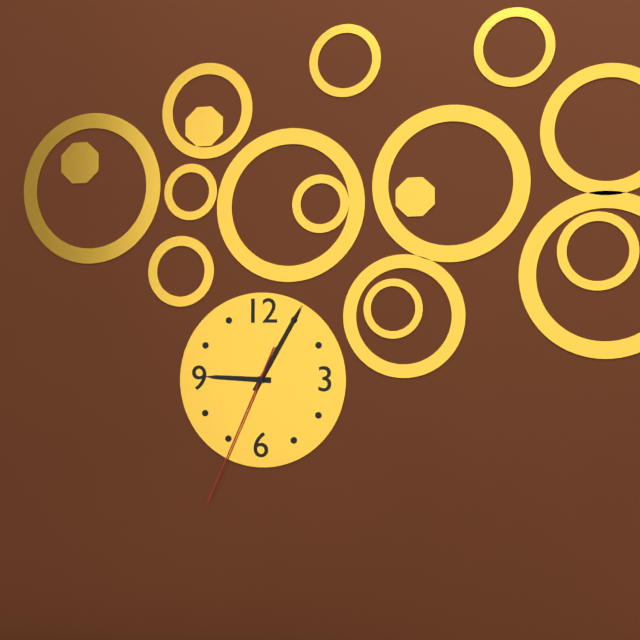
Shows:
9,05,34
